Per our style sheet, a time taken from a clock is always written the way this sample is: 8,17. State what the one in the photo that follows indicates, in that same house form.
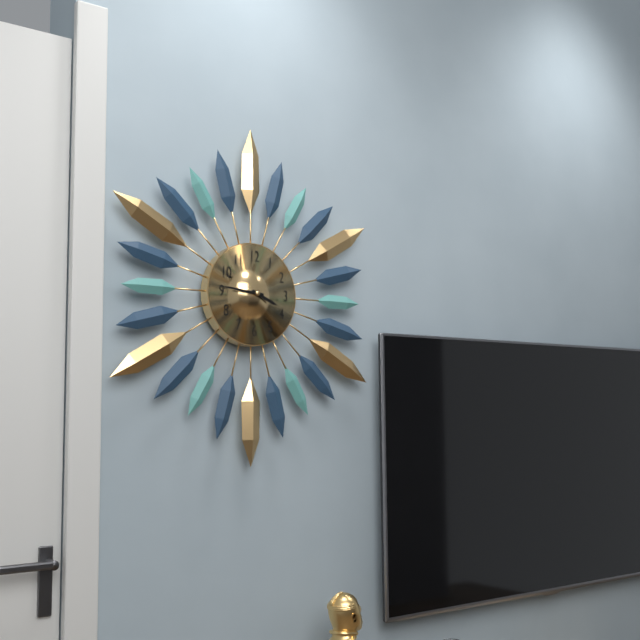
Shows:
3,46
